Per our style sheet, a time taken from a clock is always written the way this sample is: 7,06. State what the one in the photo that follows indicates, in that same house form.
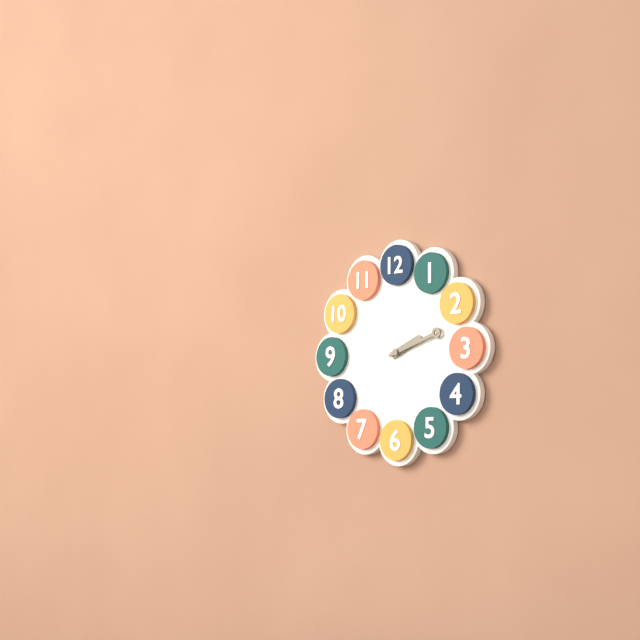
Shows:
2,12
